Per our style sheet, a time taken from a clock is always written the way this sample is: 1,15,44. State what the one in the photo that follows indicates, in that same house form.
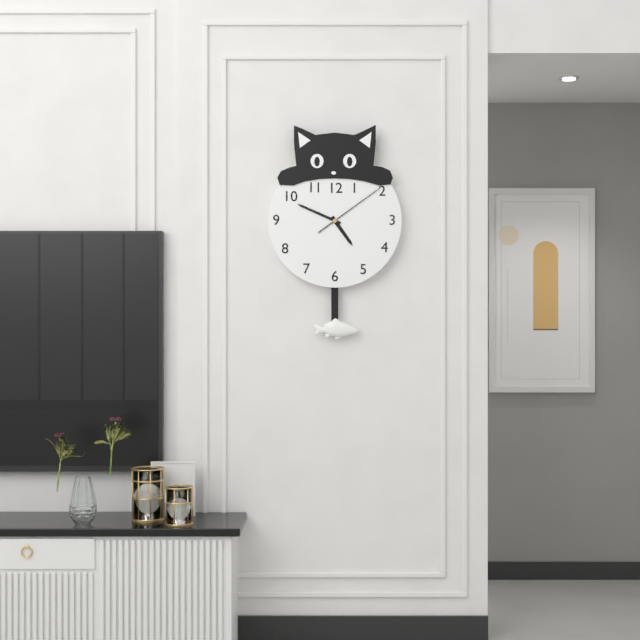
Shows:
4,49,09
